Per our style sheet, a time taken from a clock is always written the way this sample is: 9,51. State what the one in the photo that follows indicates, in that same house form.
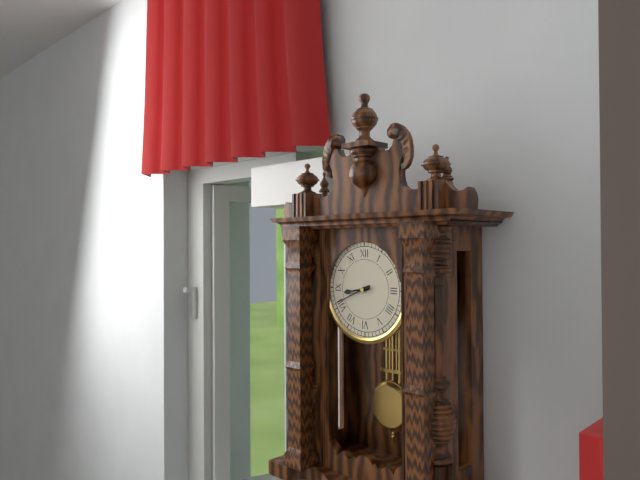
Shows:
8,41
